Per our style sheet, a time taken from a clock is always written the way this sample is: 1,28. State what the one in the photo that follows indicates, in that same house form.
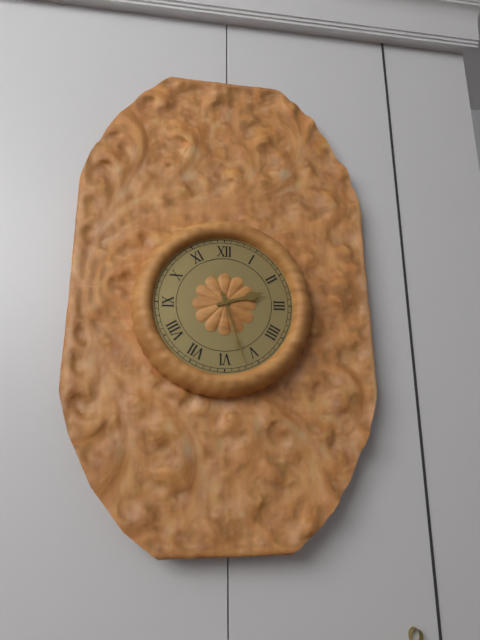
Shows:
2,27
